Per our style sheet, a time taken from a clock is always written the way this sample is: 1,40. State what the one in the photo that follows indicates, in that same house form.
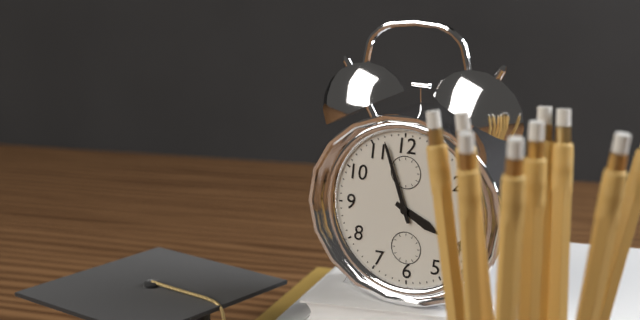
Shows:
3,57
